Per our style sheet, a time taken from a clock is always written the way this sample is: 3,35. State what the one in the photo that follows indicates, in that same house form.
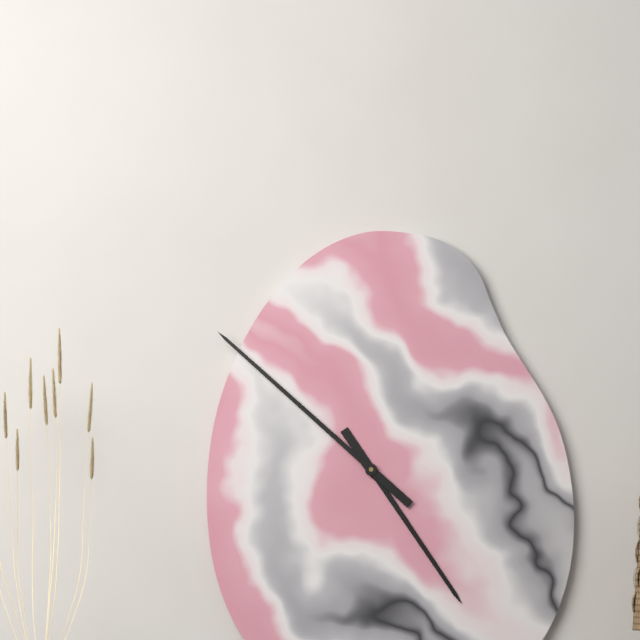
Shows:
4,52
